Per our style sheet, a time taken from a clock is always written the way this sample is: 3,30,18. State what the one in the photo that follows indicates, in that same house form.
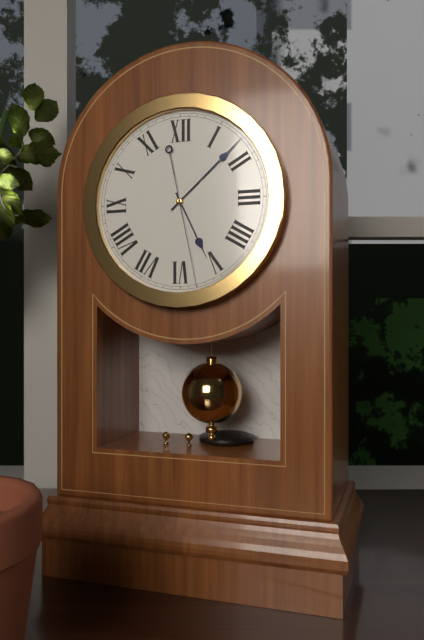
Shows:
5,08,28
